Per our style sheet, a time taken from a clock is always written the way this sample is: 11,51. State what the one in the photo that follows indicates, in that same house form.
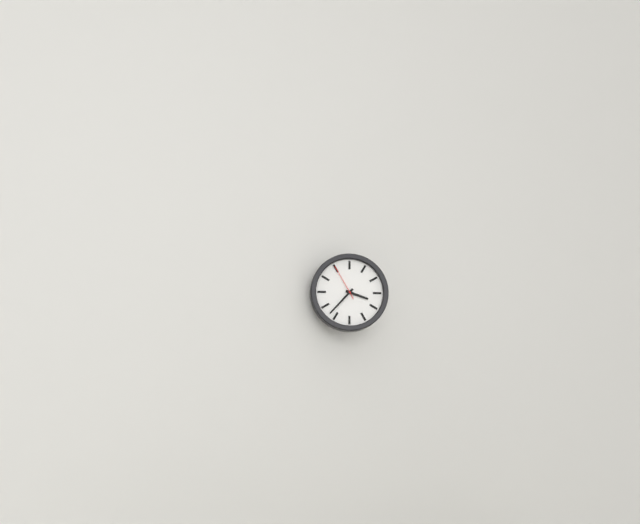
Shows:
3,37
